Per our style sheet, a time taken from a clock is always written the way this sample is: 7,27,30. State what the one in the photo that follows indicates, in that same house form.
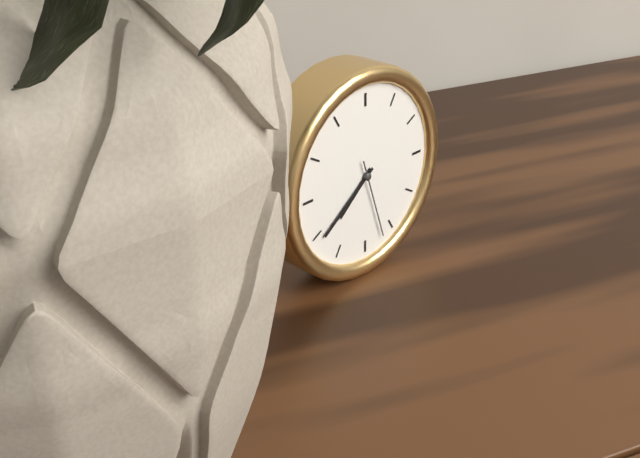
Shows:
7,39,27
